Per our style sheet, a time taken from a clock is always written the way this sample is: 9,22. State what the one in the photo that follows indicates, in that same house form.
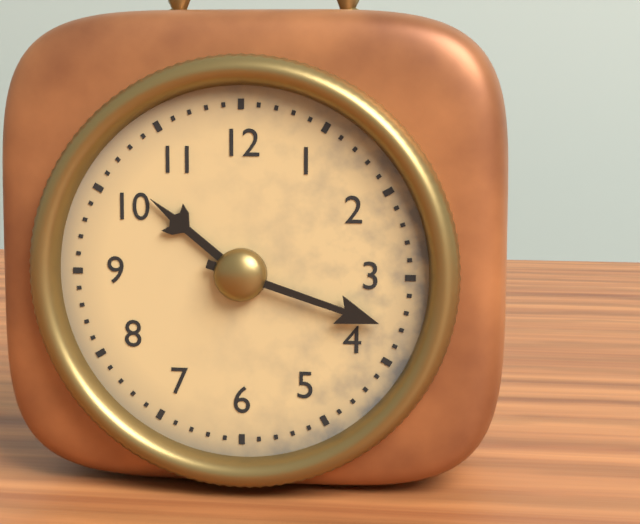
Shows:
10,18
